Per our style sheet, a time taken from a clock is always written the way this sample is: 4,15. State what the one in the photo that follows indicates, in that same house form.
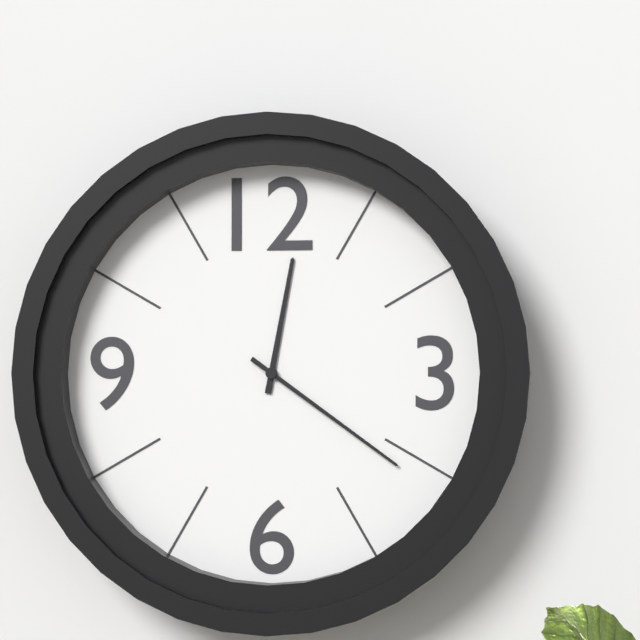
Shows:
12,21
